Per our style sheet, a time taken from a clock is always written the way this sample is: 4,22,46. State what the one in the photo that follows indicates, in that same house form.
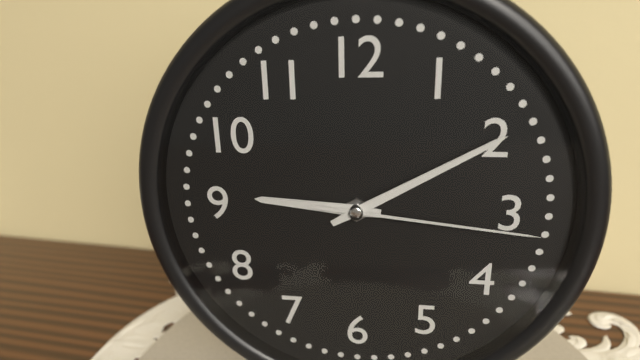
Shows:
9,10,16
